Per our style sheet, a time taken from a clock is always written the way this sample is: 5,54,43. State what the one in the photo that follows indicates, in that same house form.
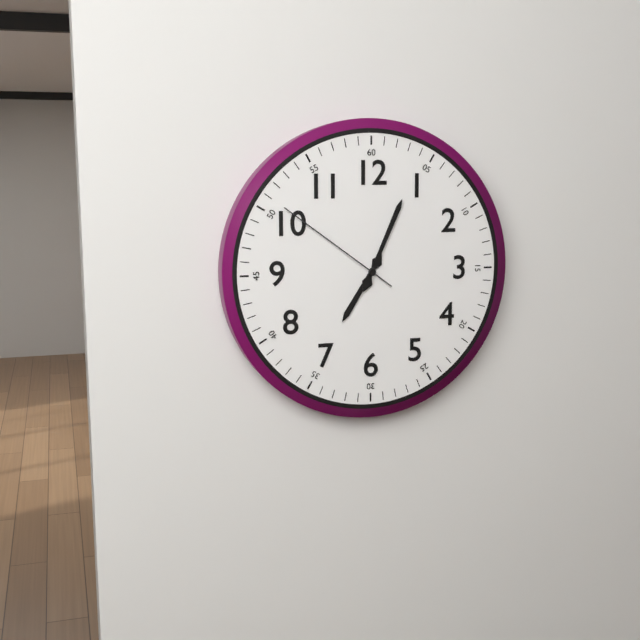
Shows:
7,04,51
